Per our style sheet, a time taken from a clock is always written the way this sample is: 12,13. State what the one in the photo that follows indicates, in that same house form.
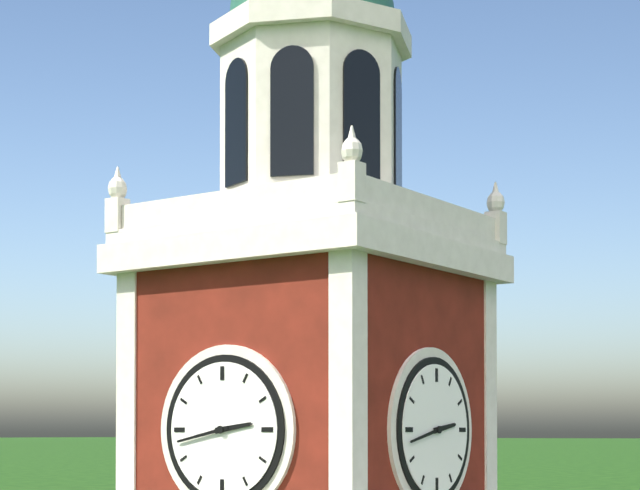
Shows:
2,43
